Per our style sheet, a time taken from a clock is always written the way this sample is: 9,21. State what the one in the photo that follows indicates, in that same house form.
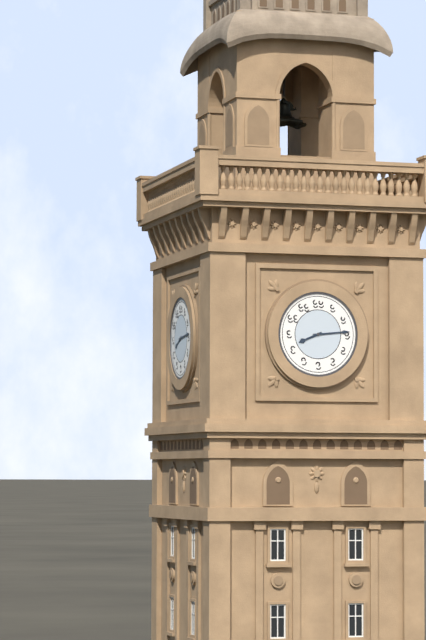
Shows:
8,14
